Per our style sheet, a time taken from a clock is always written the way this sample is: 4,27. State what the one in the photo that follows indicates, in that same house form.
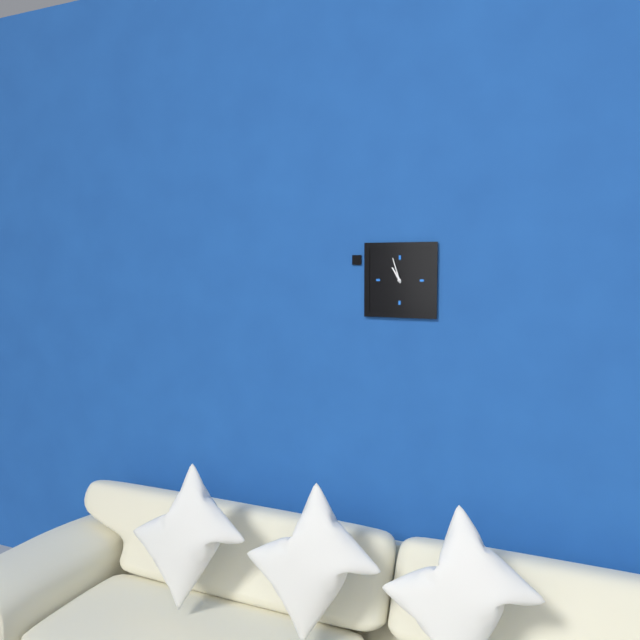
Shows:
10,57
